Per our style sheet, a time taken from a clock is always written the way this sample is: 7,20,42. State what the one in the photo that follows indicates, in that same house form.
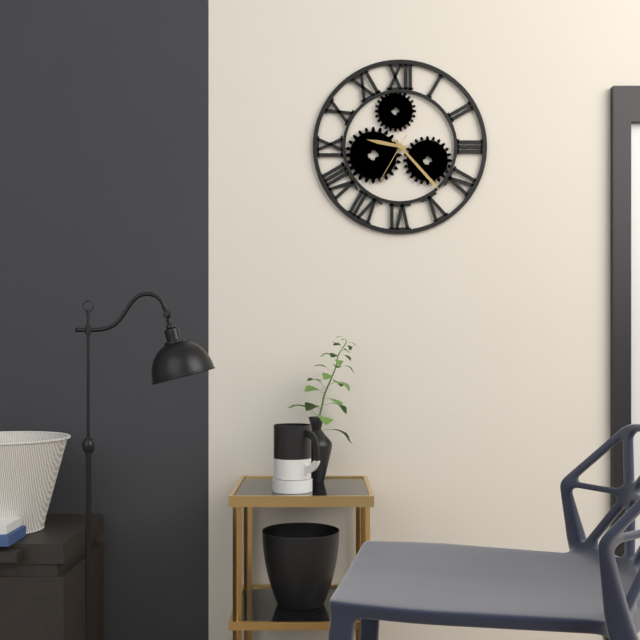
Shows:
9,23,35
